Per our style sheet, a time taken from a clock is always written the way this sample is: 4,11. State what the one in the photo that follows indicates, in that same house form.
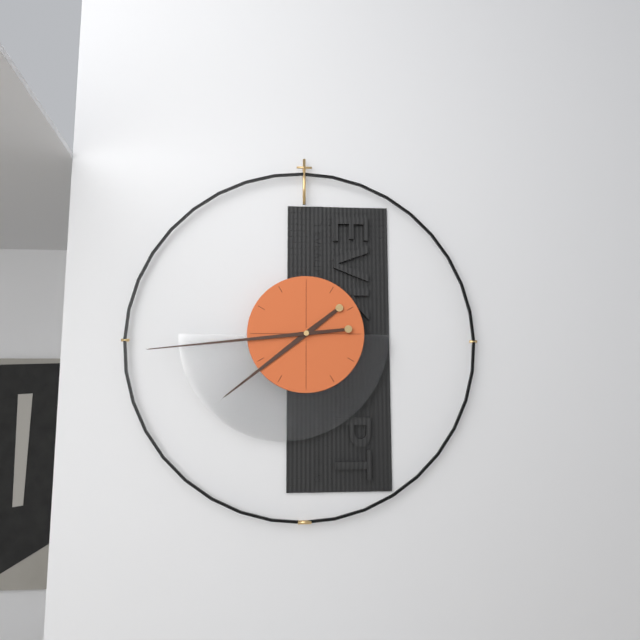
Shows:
7,44
